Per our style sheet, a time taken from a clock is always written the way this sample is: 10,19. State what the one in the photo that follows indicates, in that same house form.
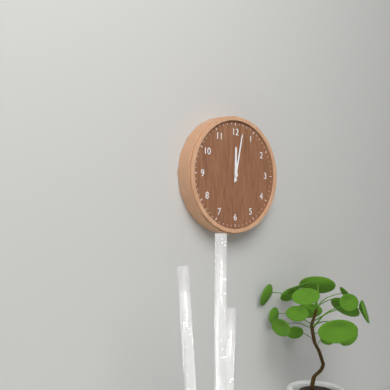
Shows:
12,02
